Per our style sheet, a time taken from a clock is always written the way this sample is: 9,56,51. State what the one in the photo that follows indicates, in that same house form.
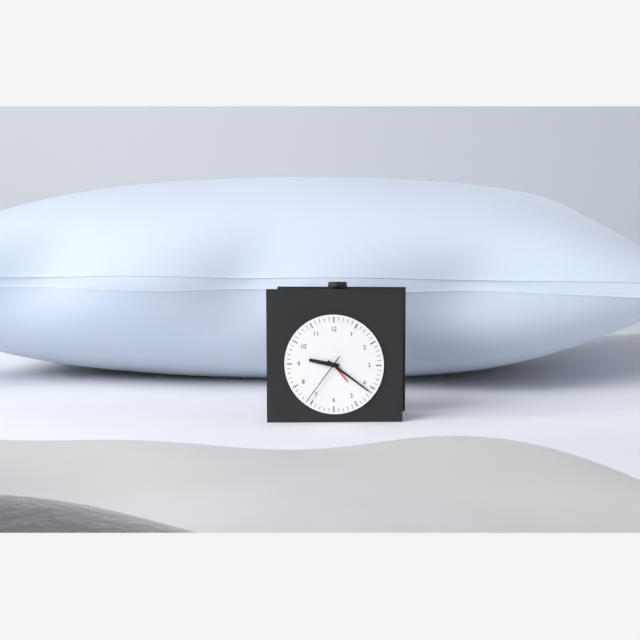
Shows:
9,21,36
